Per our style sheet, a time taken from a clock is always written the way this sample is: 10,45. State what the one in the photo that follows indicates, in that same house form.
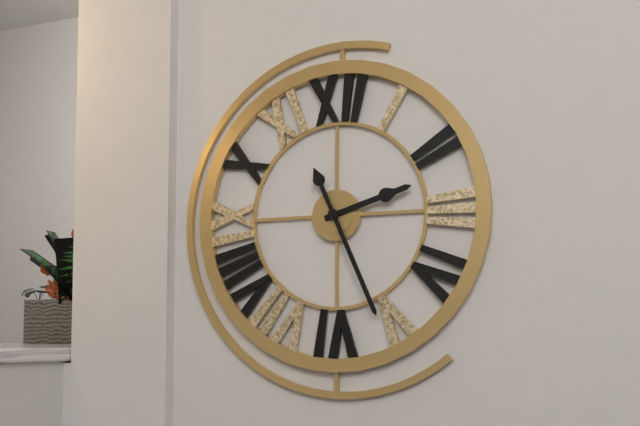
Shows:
2,26
